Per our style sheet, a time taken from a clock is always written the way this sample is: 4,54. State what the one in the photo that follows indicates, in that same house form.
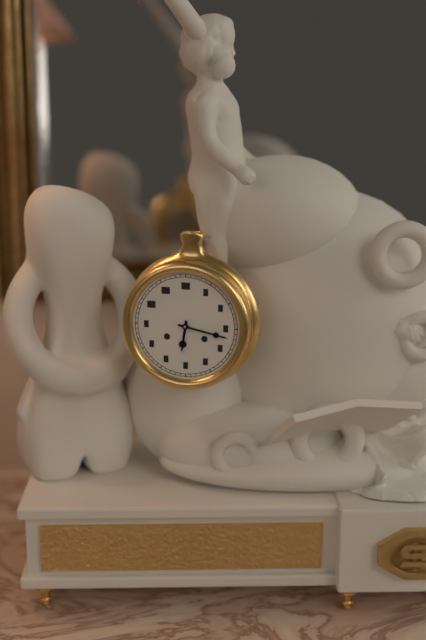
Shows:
6,17
